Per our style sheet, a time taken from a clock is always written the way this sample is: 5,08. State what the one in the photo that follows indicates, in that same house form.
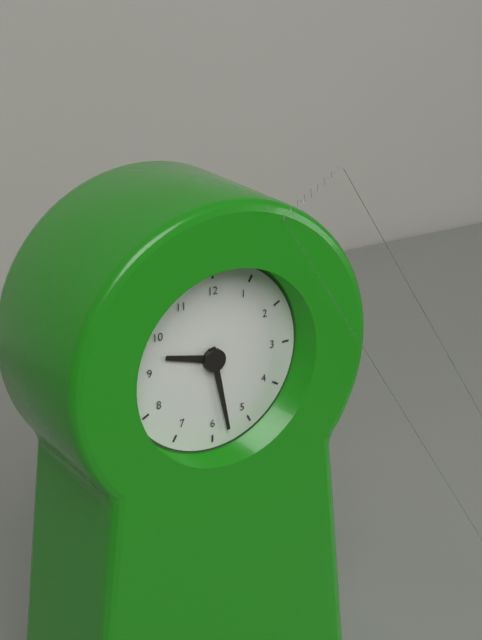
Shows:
9,28
